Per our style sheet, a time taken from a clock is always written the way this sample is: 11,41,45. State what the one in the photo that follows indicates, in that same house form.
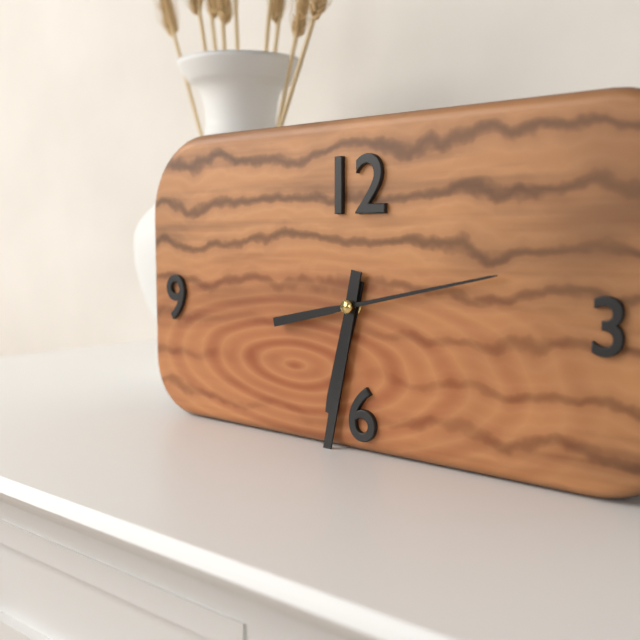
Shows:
6,32,13
